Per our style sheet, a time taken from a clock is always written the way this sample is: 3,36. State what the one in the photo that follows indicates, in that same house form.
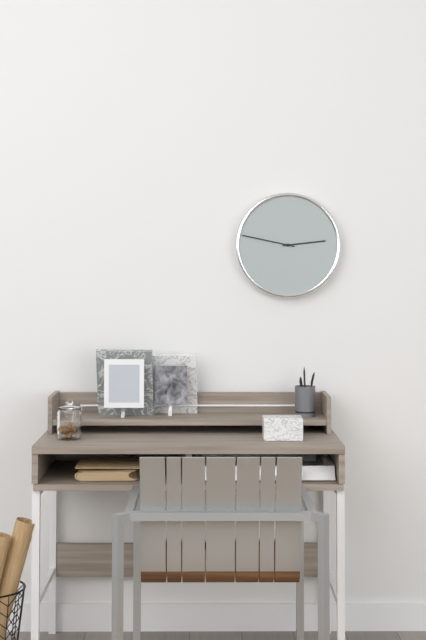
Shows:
2,47
